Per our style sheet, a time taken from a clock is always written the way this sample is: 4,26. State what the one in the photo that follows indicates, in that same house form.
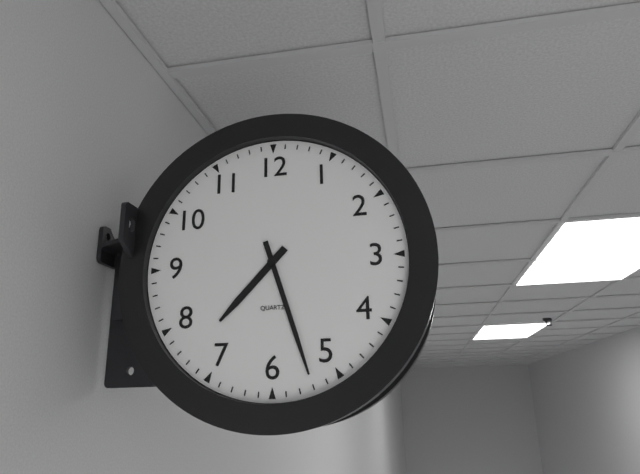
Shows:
7,27
